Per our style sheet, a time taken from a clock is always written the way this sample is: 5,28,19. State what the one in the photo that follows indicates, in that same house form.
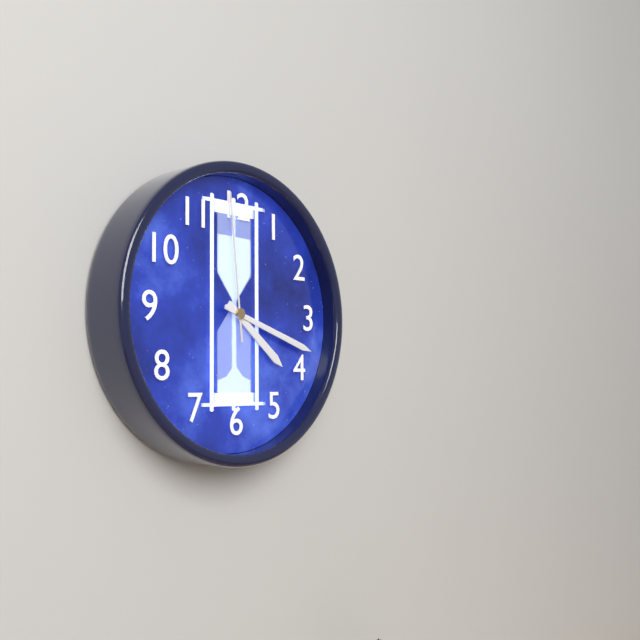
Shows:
4,18,59
